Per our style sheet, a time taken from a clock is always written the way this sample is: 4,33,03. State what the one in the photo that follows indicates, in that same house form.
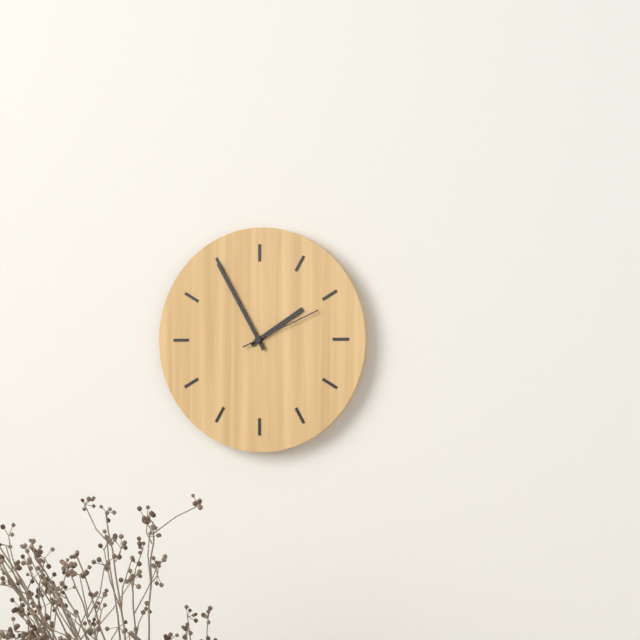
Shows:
1,55,11
